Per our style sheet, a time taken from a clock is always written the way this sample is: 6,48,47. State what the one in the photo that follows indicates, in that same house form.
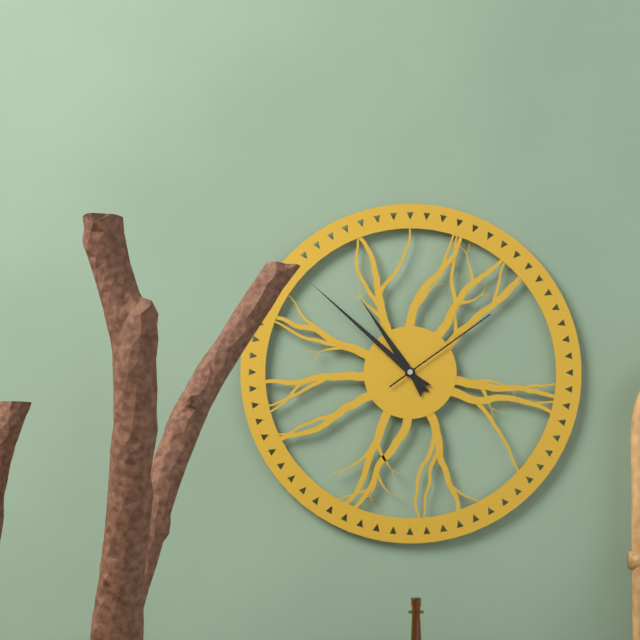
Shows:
10,52,09
